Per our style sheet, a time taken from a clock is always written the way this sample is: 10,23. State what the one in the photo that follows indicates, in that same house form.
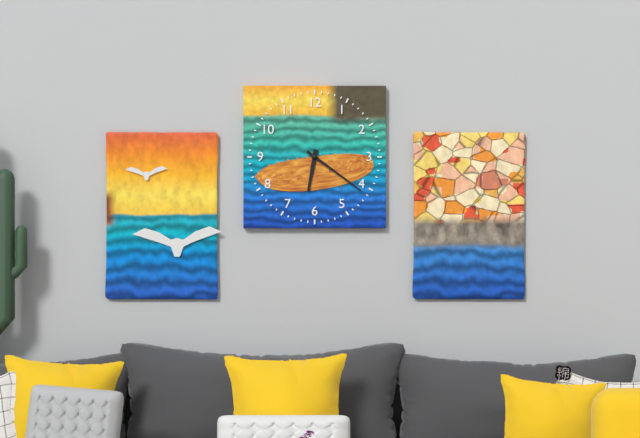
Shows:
6,21
